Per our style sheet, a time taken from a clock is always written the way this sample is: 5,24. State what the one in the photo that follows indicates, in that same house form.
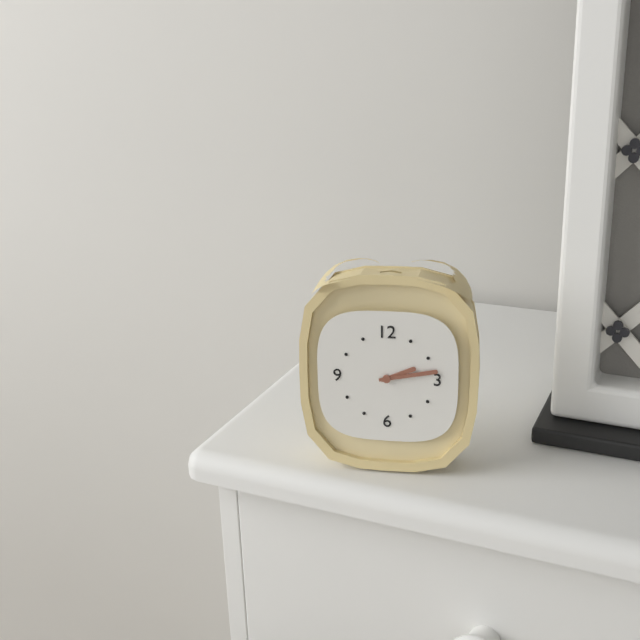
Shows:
2,13
